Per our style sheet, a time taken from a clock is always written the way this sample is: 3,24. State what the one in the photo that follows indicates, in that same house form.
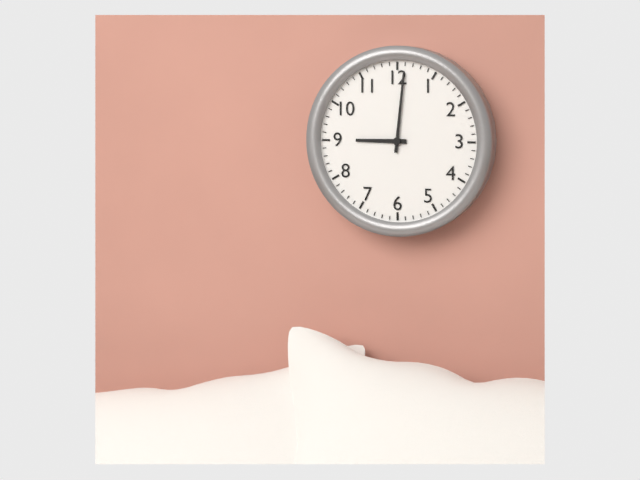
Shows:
9,01
